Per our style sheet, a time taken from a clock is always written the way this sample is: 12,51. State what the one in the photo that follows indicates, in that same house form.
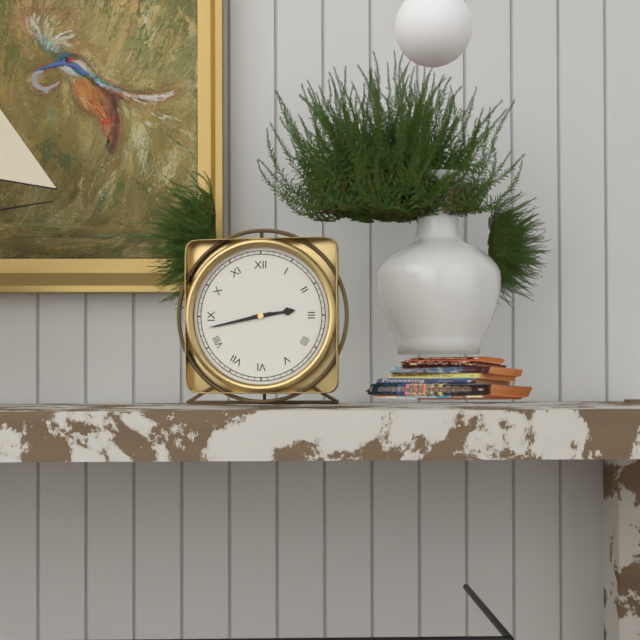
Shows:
2,43
